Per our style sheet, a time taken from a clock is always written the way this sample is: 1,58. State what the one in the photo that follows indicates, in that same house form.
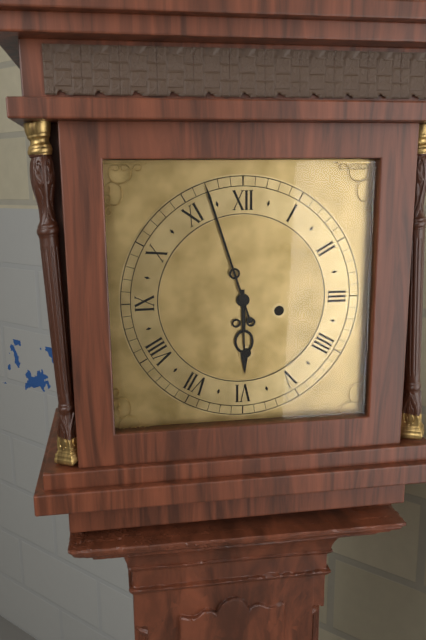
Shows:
5,57
